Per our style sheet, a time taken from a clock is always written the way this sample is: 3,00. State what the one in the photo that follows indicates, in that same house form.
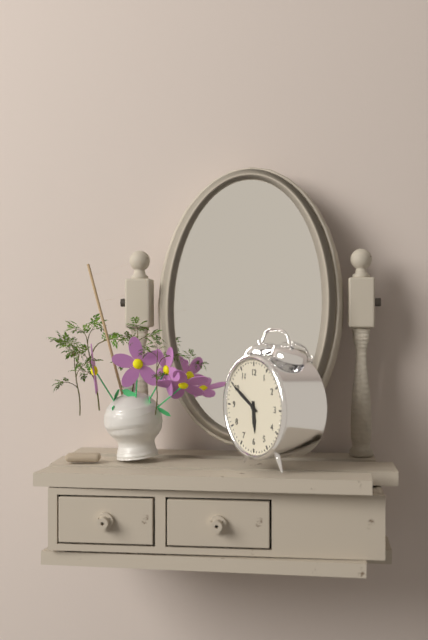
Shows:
5,50
